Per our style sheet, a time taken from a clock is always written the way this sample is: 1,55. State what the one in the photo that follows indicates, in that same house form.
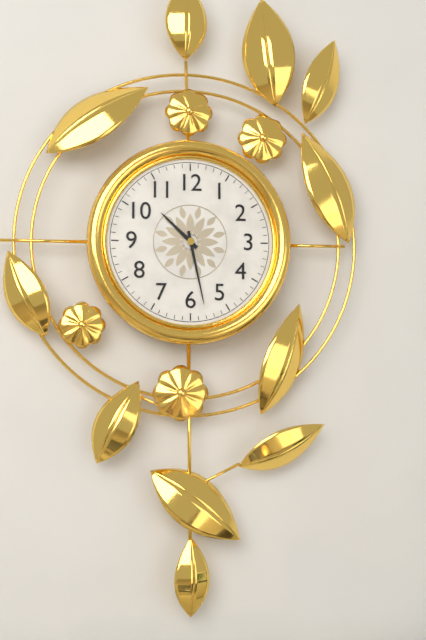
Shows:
10,28
